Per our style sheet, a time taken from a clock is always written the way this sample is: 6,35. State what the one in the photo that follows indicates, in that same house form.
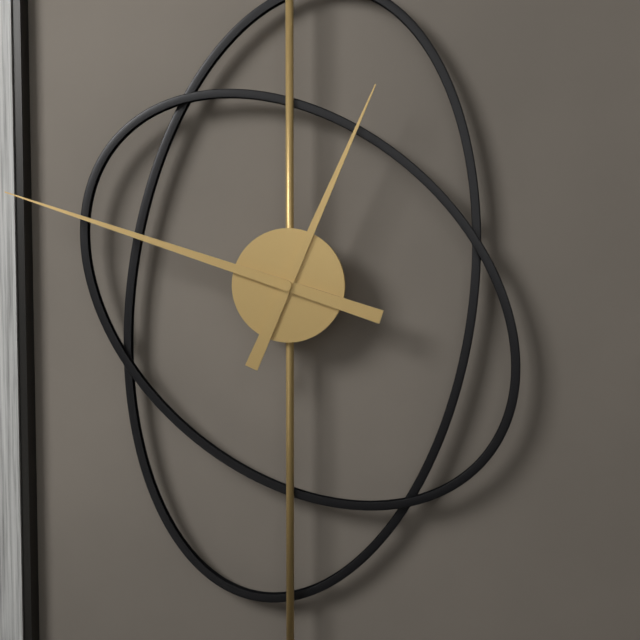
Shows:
12,48
